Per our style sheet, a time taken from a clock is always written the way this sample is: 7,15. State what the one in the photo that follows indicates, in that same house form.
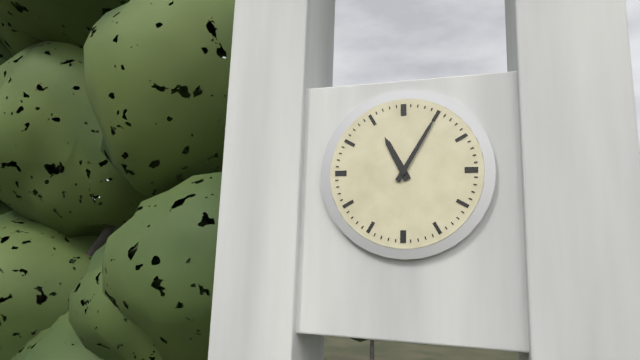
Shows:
11,05
